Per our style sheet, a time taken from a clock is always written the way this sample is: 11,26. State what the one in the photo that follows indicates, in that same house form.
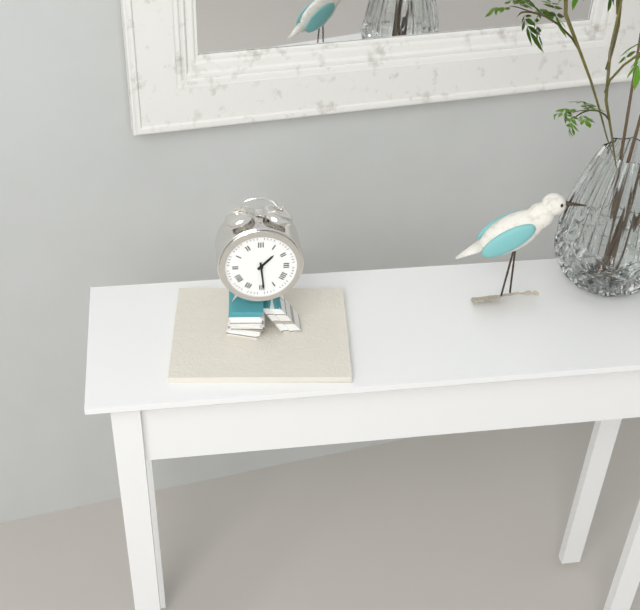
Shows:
1,29
